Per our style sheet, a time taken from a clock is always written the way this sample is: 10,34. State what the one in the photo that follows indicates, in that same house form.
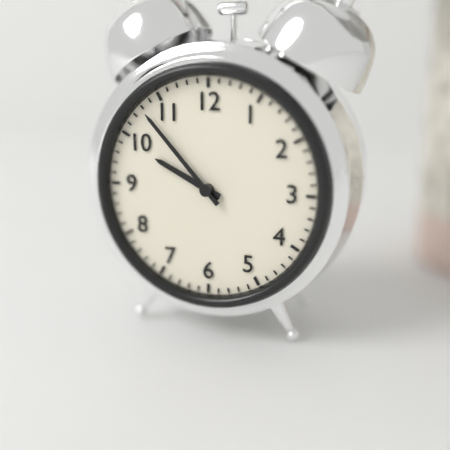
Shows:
9,53
